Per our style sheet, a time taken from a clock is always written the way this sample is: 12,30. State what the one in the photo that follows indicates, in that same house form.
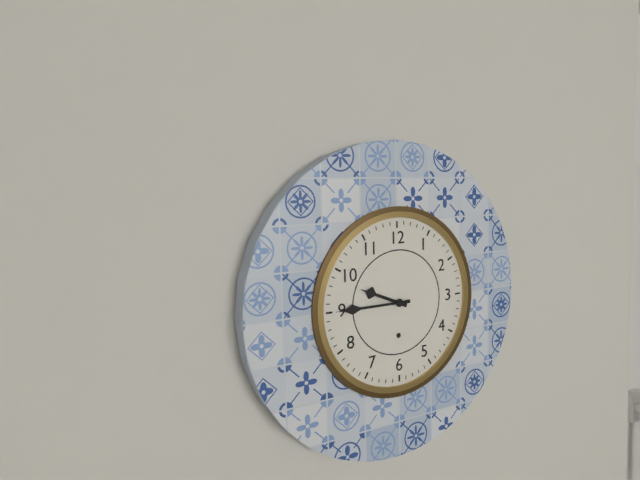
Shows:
9,45
